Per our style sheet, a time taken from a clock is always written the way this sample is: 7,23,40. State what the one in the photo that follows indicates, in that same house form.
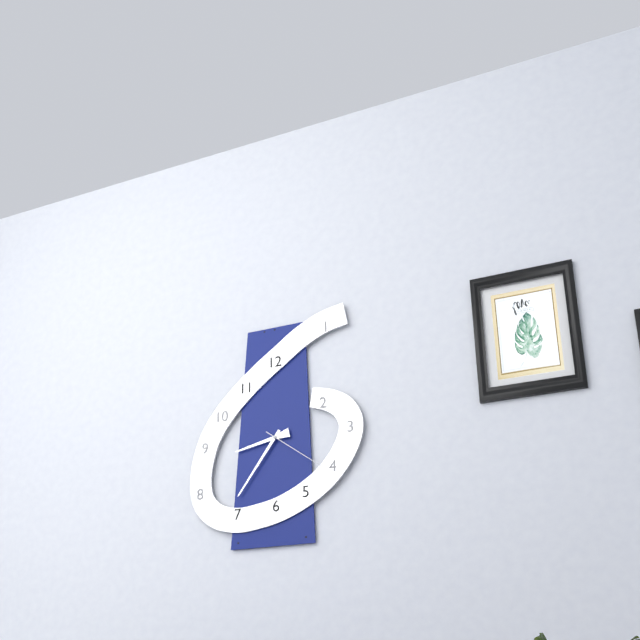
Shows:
8,36,21
